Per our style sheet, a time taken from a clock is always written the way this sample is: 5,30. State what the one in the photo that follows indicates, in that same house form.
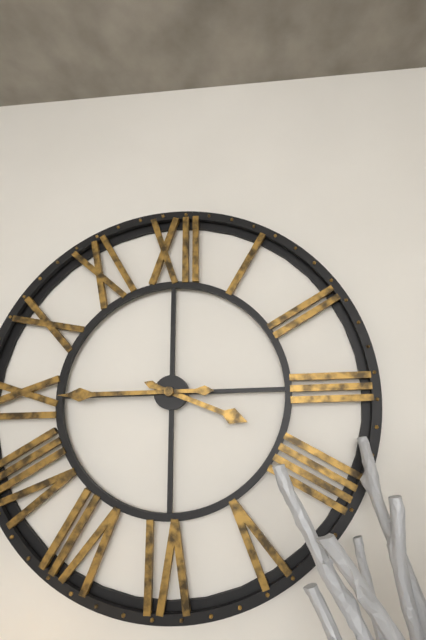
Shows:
3,45
